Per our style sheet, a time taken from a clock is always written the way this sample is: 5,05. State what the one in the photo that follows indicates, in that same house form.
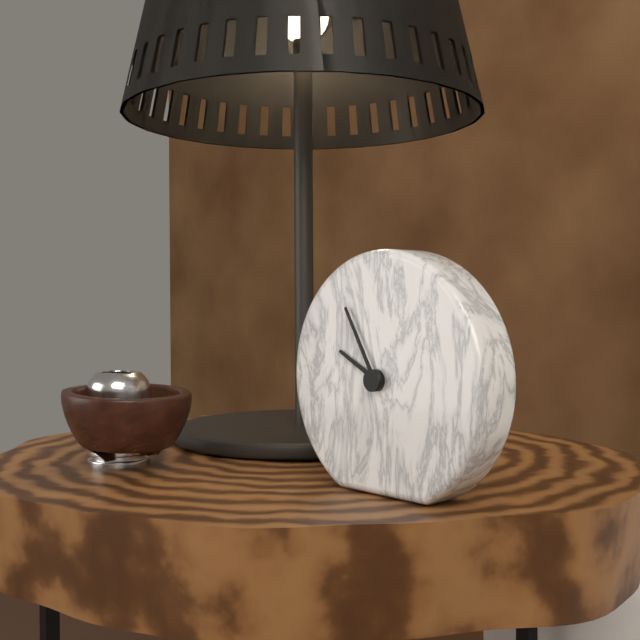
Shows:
9,55
